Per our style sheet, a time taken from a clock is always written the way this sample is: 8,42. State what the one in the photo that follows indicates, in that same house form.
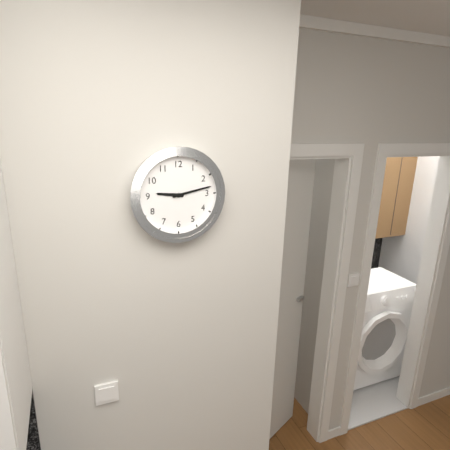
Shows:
9,13
